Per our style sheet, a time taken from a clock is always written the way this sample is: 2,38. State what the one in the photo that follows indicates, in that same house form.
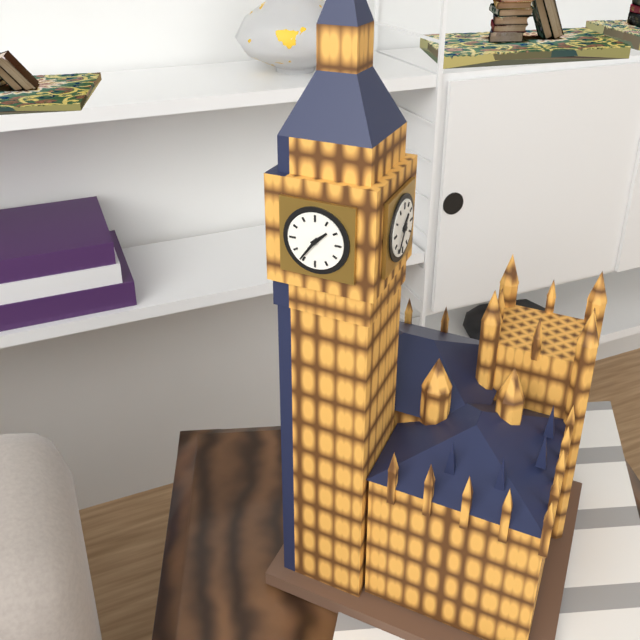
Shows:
1,36
